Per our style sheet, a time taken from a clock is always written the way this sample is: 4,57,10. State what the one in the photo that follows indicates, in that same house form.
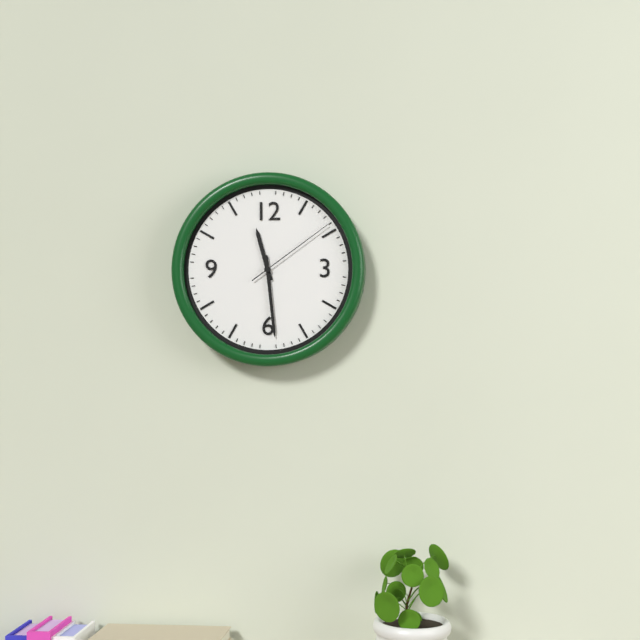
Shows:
11,29,09
